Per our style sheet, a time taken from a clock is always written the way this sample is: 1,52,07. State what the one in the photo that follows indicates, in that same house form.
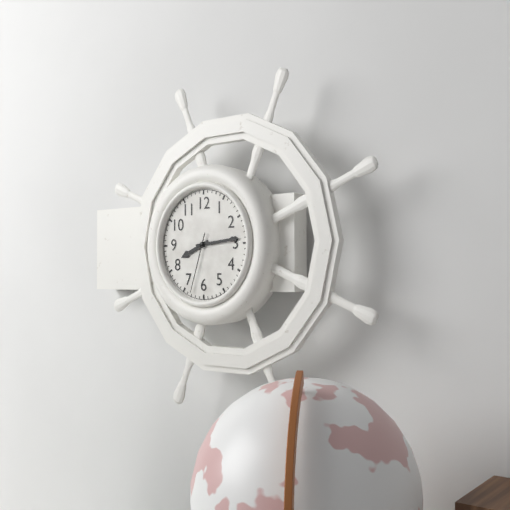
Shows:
8,14,33
